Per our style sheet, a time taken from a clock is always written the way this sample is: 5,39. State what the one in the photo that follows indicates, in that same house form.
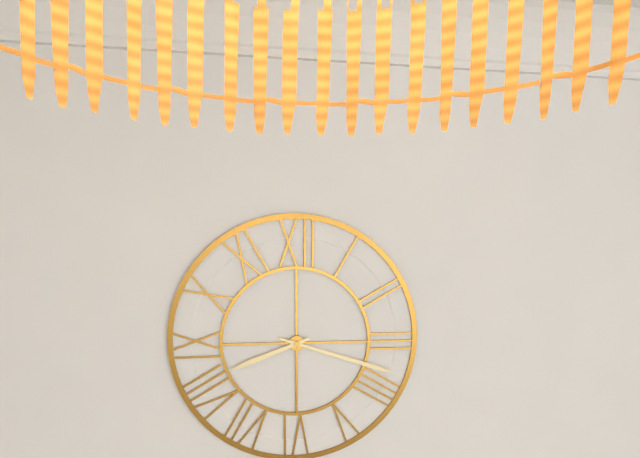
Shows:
8,18
